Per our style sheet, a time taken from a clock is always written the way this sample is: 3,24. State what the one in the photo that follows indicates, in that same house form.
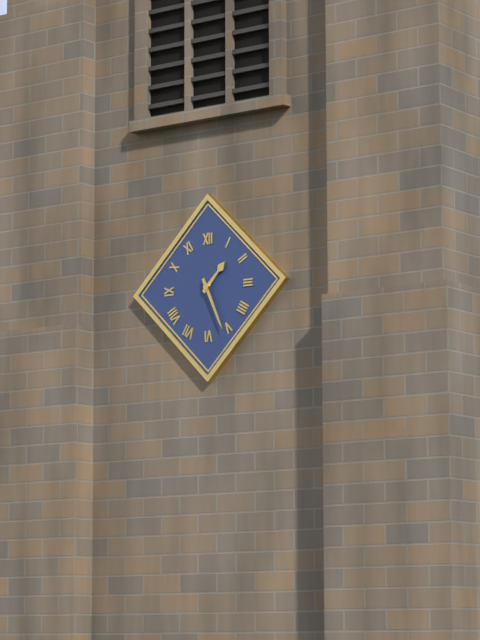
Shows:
1,26
